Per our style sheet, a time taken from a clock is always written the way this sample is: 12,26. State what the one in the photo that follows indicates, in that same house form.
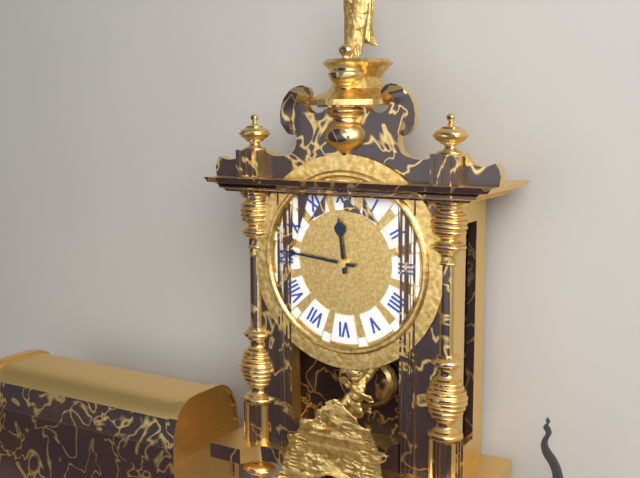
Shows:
11,46
